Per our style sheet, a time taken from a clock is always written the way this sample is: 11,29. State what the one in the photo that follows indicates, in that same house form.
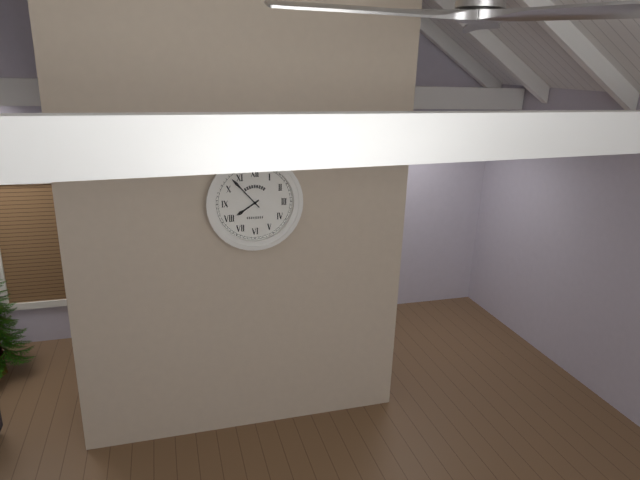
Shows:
7,53
